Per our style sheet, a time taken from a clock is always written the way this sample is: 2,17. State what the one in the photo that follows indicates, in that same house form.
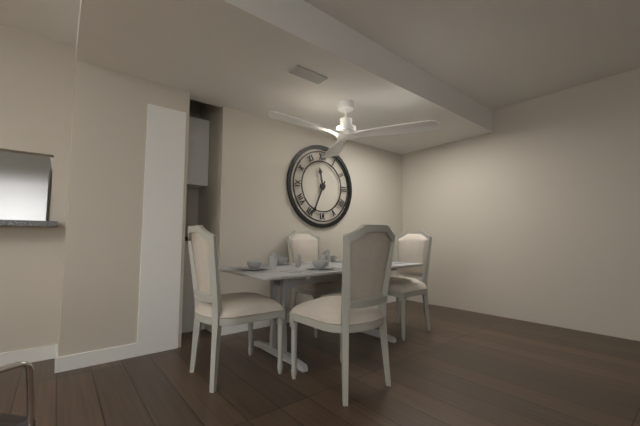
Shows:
11,34
